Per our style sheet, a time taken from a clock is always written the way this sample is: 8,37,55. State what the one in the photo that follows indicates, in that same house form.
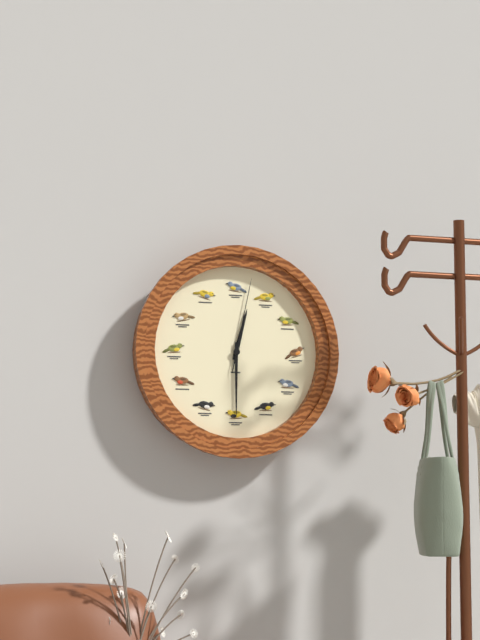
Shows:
12,30,02
